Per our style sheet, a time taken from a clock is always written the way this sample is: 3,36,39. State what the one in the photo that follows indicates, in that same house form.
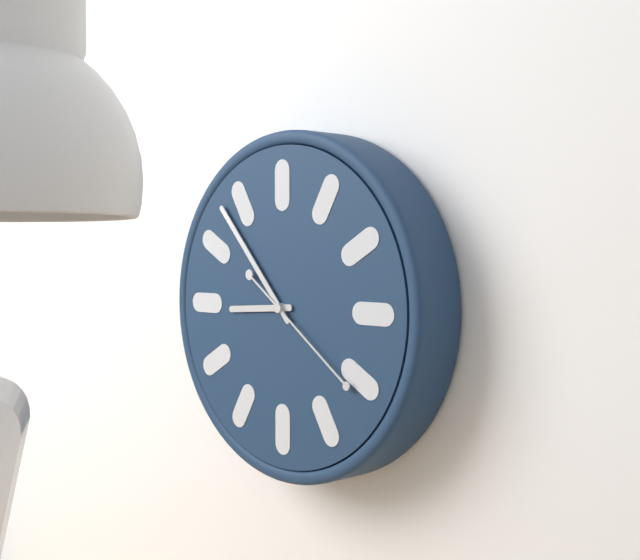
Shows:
8,53,21
